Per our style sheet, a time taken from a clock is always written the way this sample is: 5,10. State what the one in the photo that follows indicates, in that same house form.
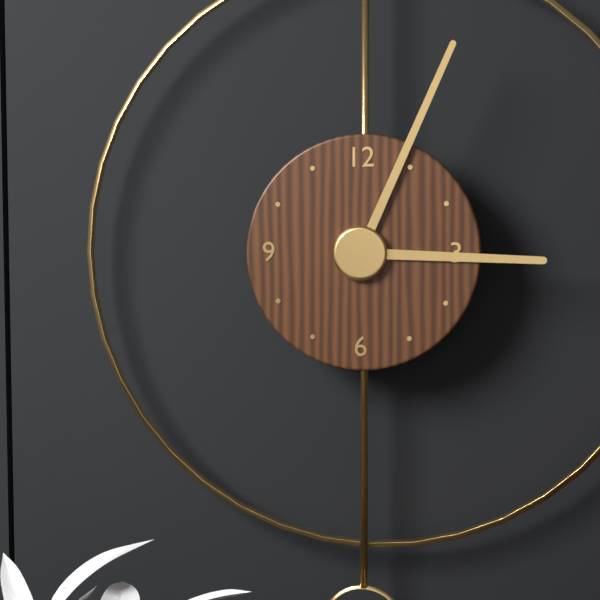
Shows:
3,04
